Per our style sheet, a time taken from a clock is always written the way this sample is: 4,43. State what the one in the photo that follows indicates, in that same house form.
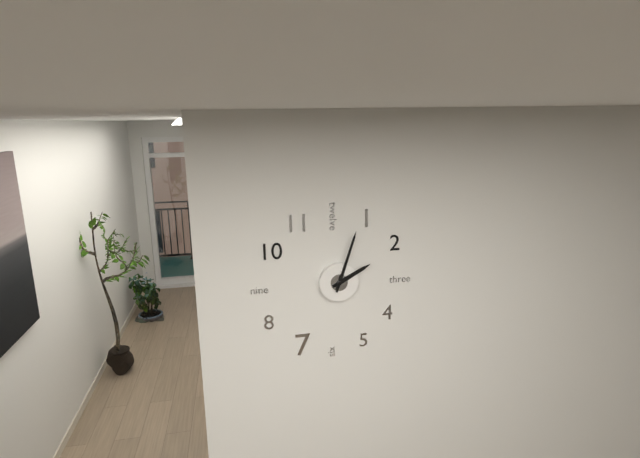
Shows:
2,03
